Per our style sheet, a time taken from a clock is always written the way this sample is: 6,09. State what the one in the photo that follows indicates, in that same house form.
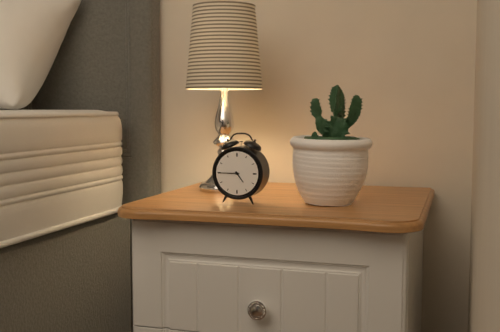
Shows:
4,45
